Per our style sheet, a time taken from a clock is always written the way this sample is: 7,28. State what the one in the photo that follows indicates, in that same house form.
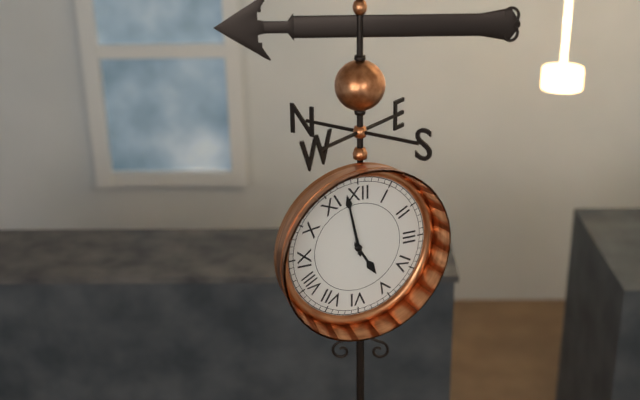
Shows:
4,58
